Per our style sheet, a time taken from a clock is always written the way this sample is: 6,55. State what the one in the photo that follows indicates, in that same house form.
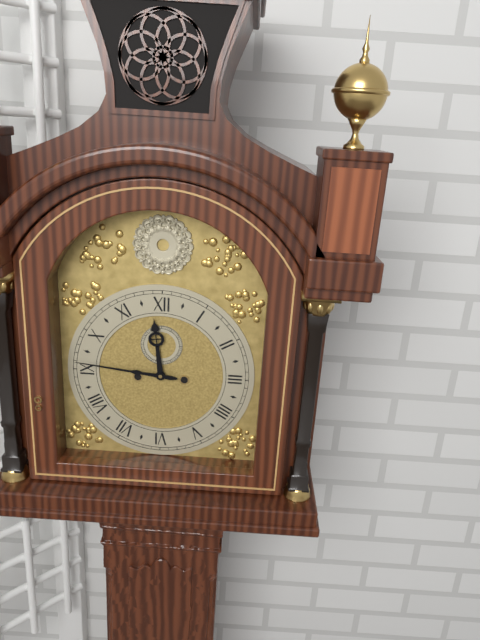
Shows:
11,46
